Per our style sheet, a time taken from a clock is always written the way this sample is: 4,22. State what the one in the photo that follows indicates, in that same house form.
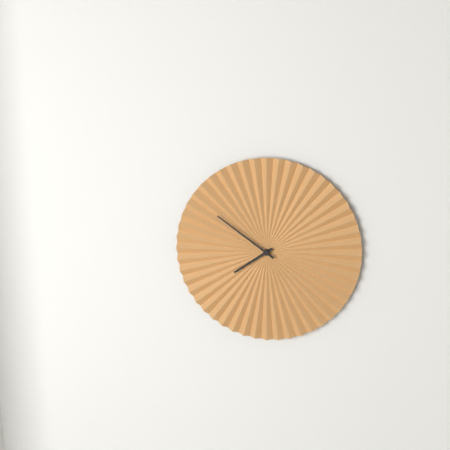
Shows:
7,51
